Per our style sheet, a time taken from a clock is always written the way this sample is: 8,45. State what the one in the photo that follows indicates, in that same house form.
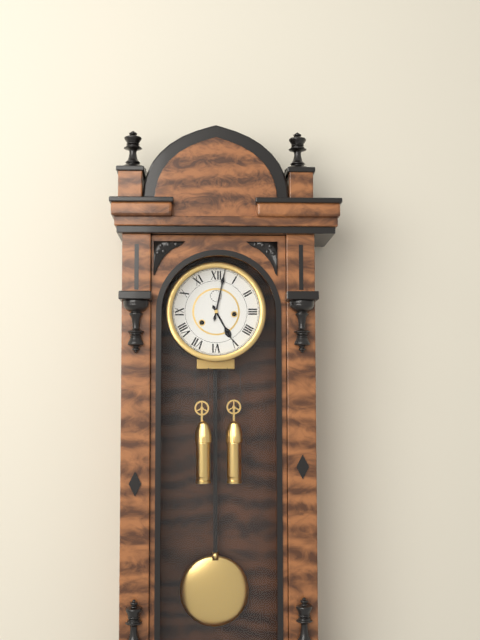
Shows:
5,02
